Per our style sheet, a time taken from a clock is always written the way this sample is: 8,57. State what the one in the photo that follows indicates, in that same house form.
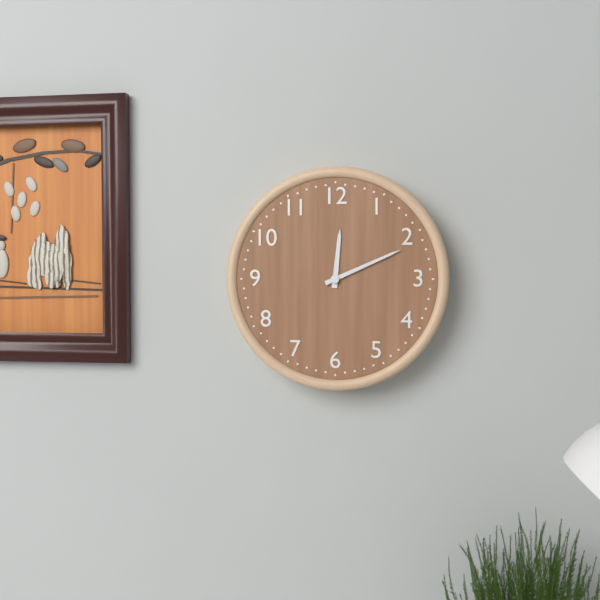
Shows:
12,11
